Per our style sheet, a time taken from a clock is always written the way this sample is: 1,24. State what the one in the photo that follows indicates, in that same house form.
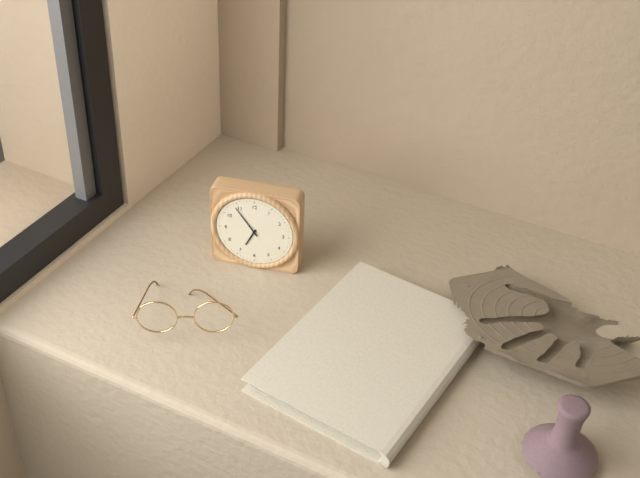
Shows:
6,54
